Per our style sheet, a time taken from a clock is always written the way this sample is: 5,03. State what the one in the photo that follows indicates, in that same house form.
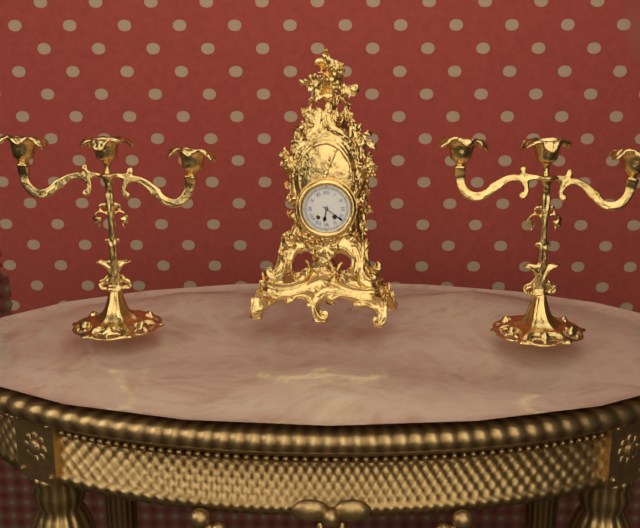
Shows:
6,21
